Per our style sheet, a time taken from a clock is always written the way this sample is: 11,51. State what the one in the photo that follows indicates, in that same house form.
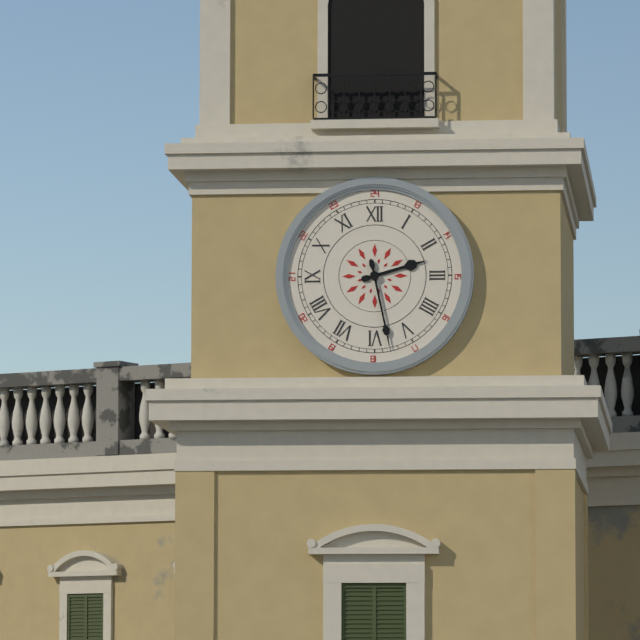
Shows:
2,28
